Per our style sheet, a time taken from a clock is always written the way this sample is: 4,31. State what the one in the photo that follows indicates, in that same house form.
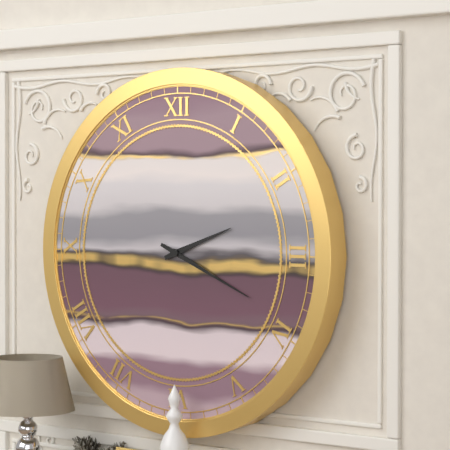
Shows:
2,19
